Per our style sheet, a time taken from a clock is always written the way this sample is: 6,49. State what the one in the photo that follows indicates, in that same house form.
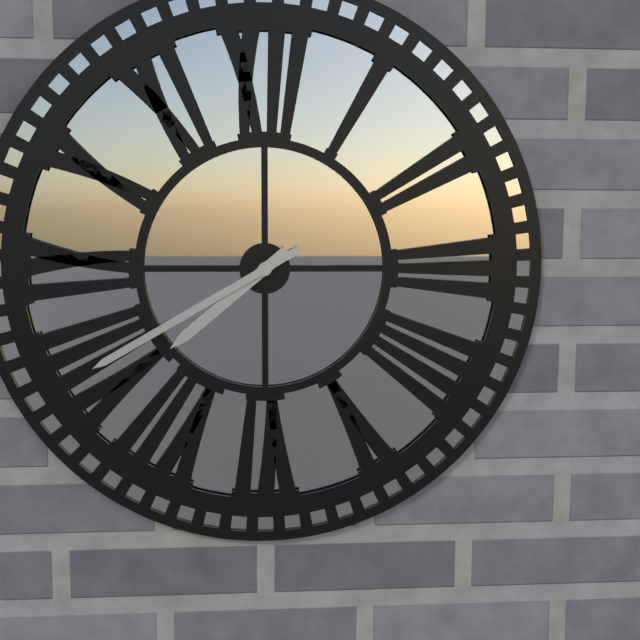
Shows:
7,40
